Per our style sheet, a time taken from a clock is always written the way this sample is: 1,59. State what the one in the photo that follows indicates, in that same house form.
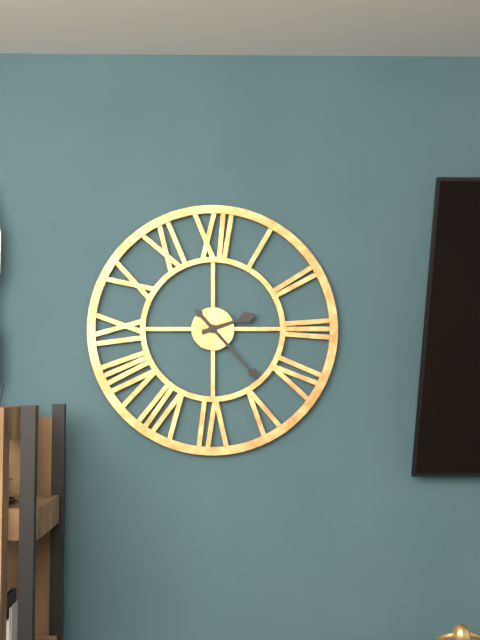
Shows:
2,23
